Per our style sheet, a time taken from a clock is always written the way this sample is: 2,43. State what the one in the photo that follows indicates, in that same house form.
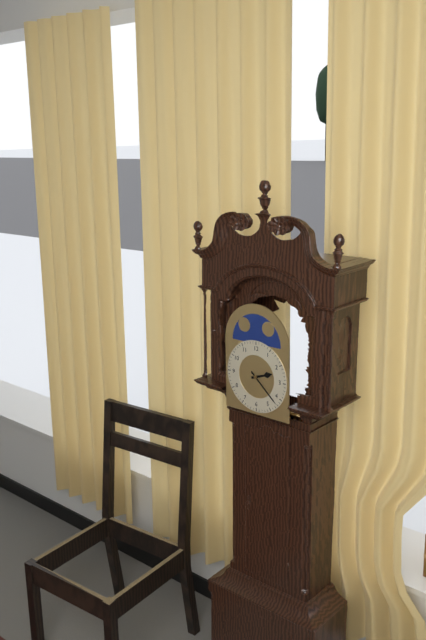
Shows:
2,22
